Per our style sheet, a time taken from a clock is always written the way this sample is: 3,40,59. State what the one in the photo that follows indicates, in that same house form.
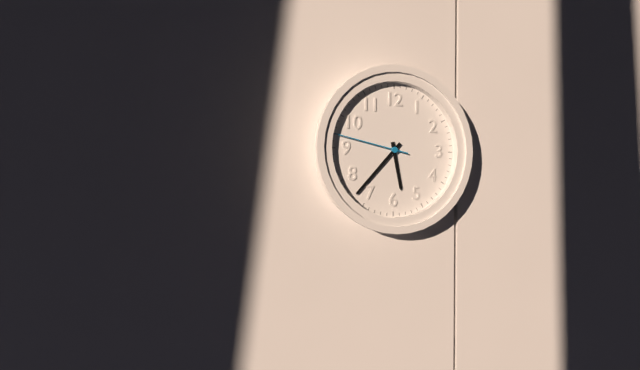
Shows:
5,37,47
